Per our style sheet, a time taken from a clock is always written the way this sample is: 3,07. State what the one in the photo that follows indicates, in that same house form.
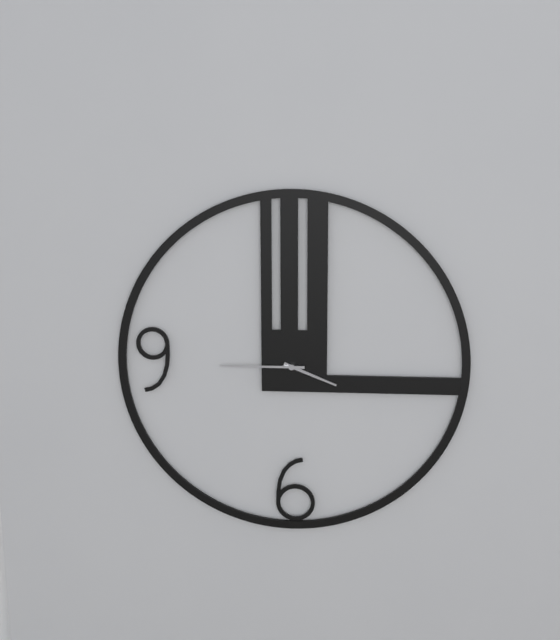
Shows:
3,45
